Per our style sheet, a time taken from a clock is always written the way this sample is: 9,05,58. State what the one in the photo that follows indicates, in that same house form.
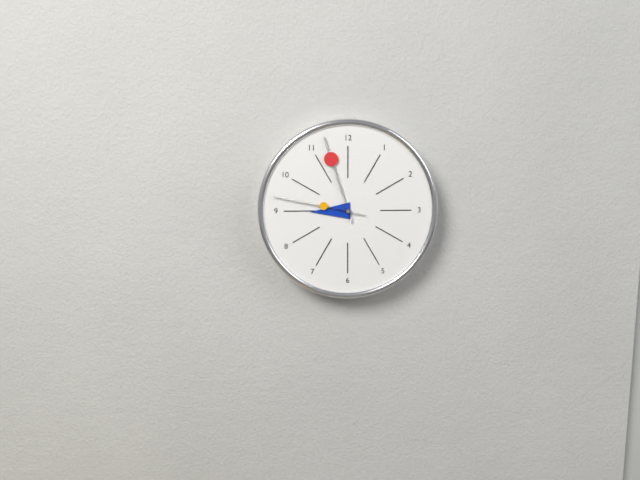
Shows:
8,57,47
